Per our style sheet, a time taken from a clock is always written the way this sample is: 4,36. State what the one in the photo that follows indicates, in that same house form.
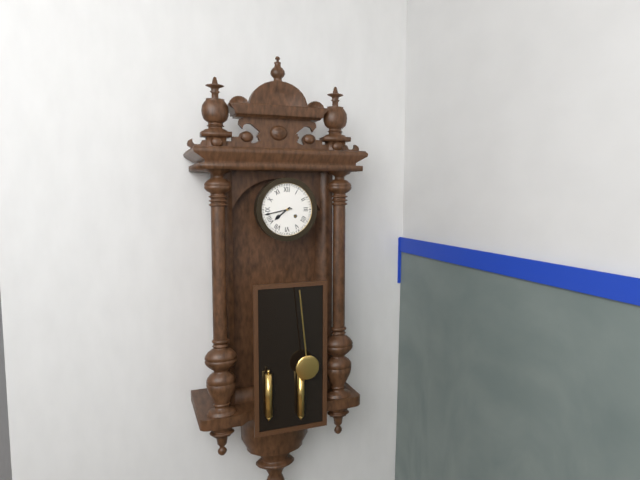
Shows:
7,43
